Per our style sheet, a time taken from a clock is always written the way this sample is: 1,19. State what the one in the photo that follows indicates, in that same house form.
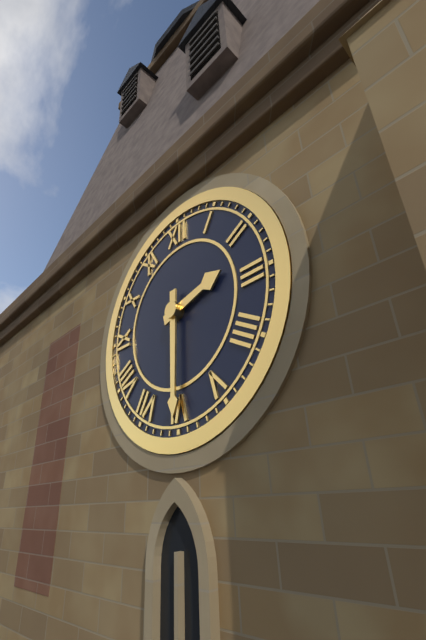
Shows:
2,30
